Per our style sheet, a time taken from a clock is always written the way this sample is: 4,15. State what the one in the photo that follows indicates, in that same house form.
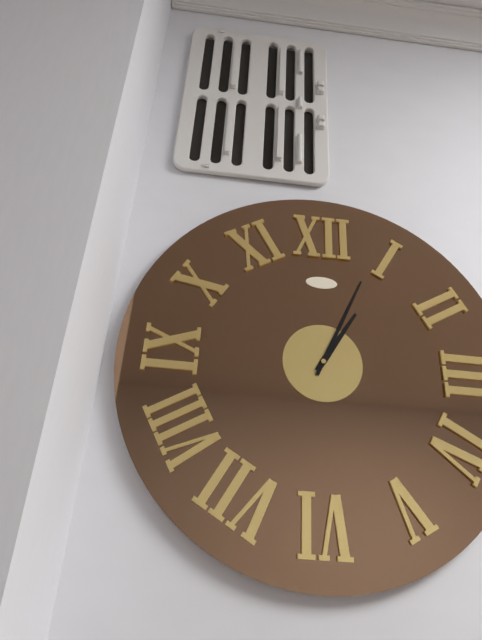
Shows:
1,04
